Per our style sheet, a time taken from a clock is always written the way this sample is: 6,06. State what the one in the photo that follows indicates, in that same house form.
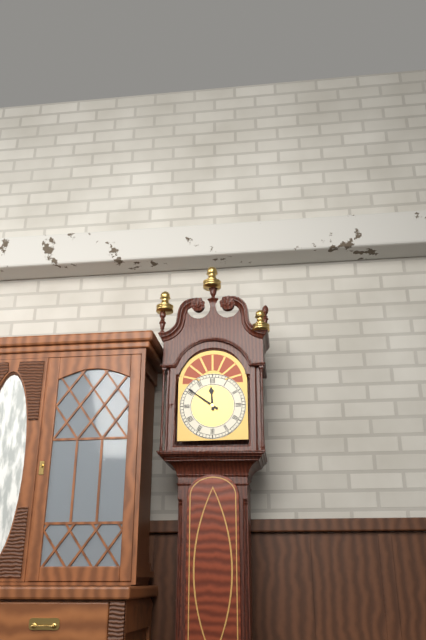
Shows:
11,51
